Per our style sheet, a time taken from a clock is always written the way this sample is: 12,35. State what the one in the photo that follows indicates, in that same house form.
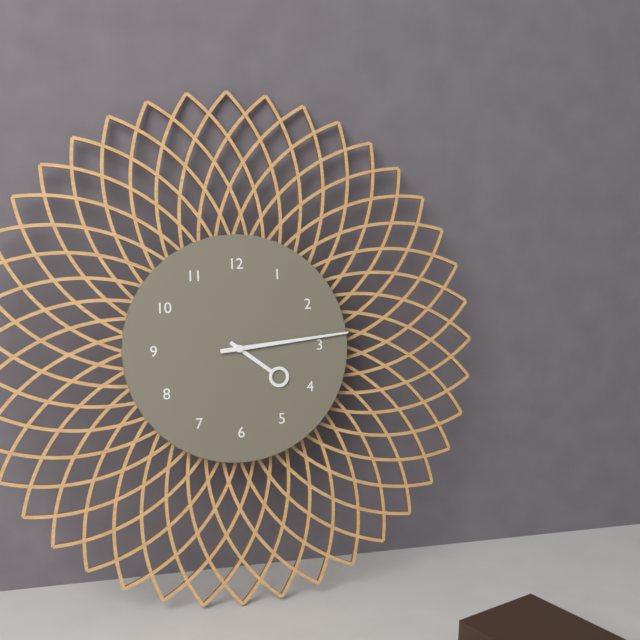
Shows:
4,14
